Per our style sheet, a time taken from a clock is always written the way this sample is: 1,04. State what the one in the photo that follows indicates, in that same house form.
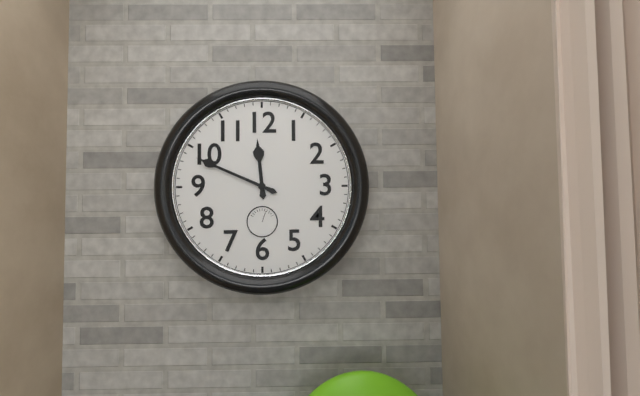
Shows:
11,49
